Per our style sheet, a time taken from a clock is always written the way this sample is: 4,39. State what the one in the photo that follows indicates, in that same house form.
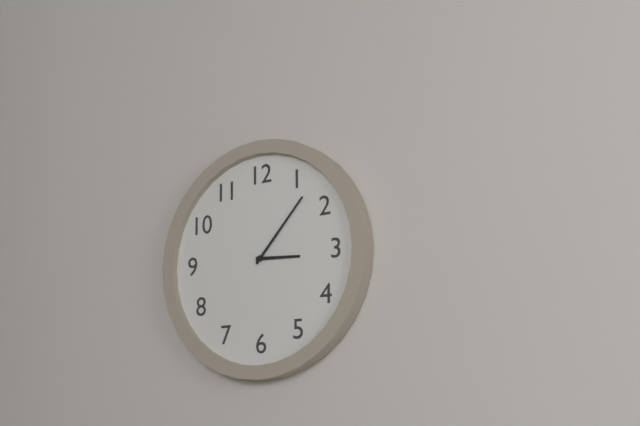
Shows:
3,07
